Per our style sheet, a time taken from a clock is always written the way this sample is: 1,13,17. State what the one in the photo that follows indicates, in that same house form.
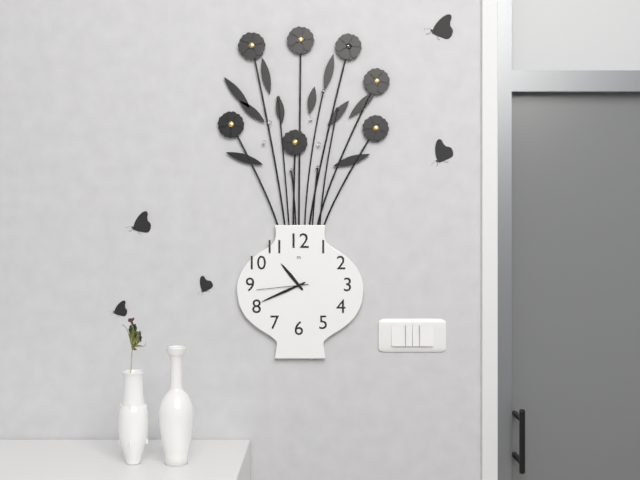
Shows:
10,41,44
